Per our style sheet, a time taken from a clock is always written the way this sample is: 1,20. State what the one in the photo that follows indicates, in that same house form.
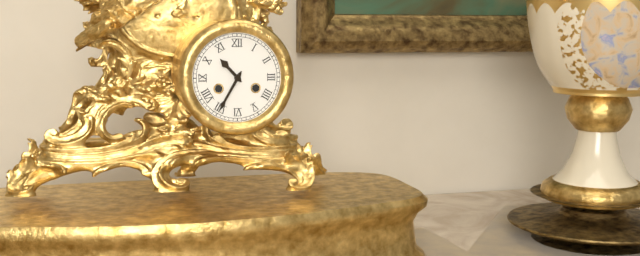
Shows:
10,35
